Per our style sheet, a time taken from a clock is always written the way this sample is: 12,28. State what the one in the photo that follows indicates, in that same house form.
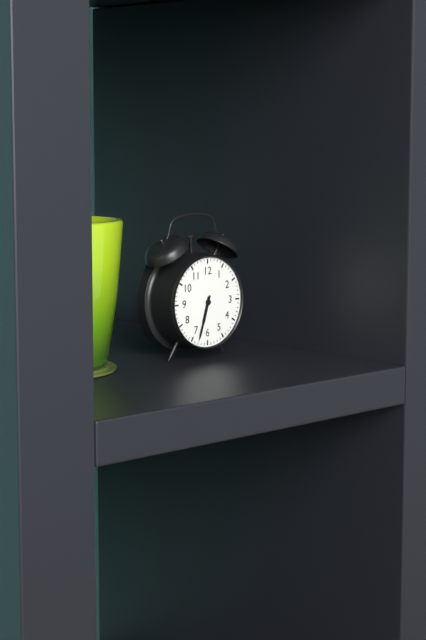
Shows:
6,33
